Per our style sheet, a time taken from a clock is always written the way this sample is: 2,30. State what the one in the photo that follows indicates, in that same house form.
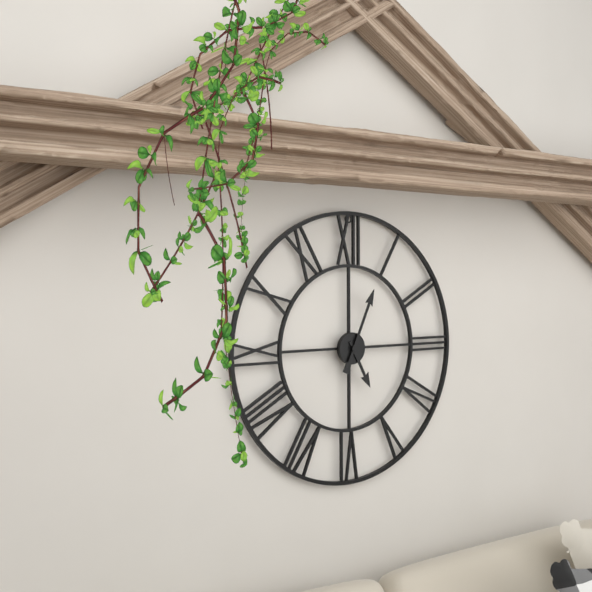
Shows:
5,04
